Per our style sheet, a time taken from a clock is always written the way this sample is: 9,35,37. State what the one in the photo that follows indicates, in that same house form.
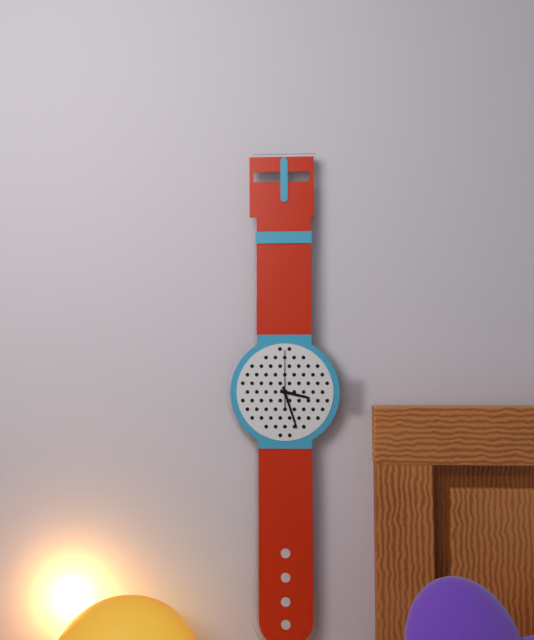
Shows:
3,27,00
